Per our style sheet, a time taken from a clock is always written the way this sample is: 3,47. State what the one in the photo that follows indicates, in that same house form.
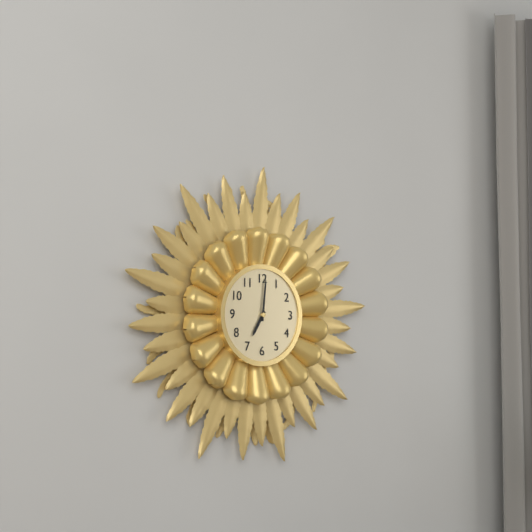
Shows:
7,01
